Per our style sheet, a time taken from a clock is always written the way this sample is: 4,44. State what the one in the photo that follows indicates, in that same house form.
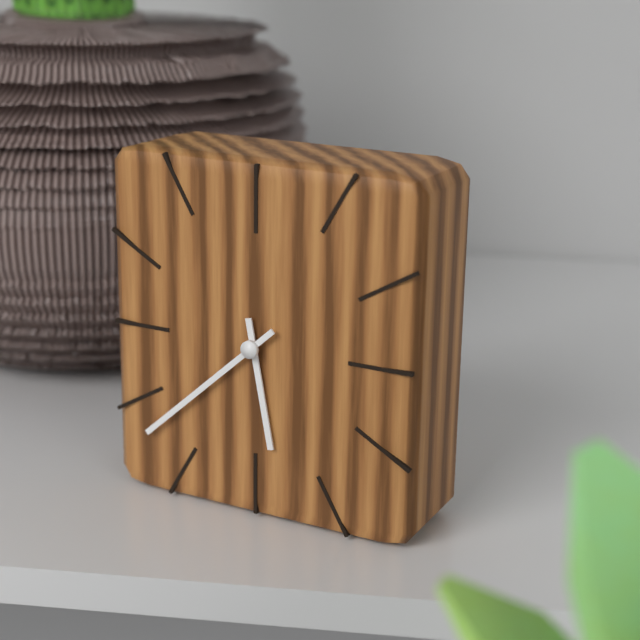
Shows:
5,38
